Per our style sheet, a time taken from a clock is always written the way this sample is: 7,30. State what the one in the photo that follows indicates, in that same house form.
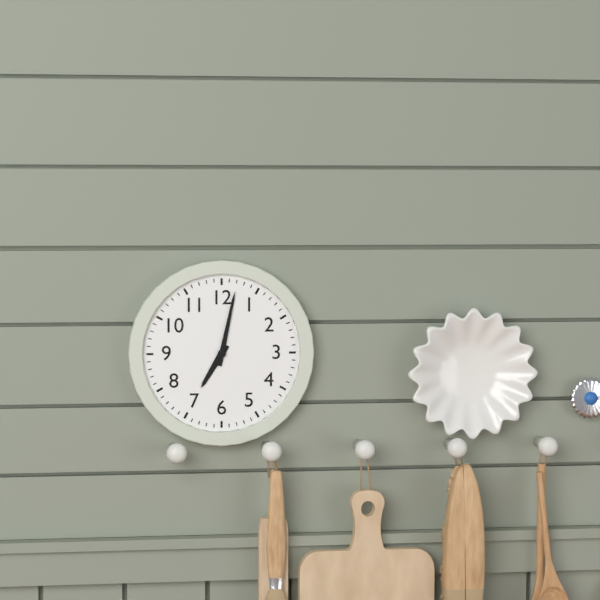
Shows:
7,02
